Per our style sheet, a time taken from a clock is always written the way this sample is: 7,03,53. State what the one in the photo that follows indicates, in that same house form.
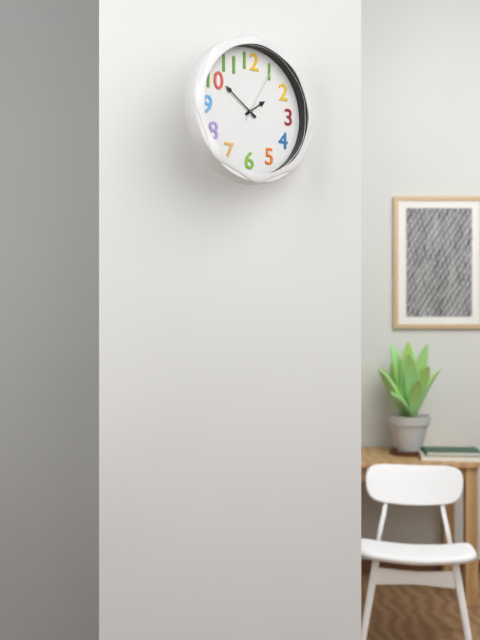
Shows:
1,51,05
